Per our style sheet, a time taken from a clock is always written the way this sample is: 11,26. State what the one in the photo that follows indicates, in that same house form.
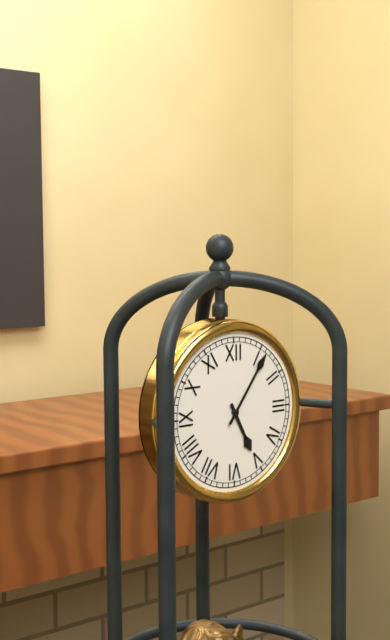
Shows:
5,06
